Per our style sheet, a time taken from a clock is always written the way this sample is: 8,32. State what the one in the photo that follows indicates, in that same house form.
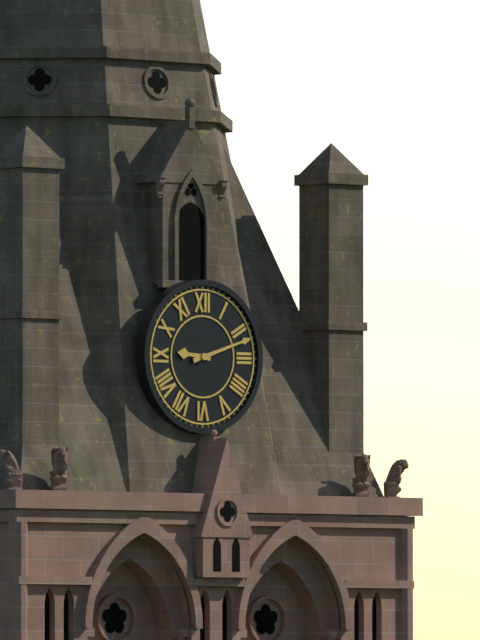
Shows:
9,12
